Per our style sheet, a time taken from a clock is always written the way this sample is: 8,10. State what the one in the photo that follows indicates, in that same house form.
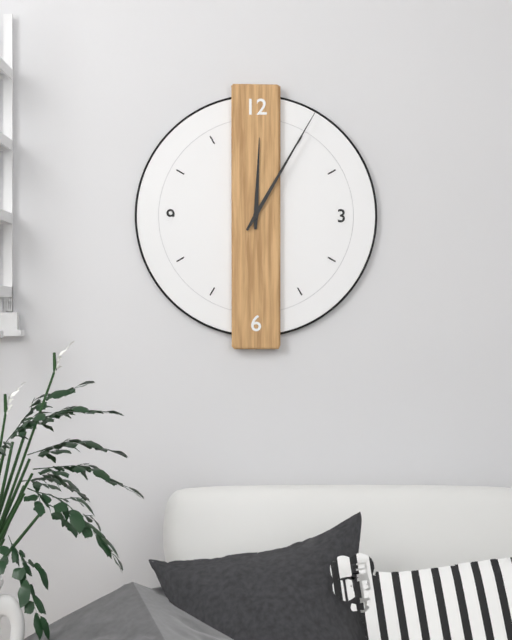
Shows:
12,05
